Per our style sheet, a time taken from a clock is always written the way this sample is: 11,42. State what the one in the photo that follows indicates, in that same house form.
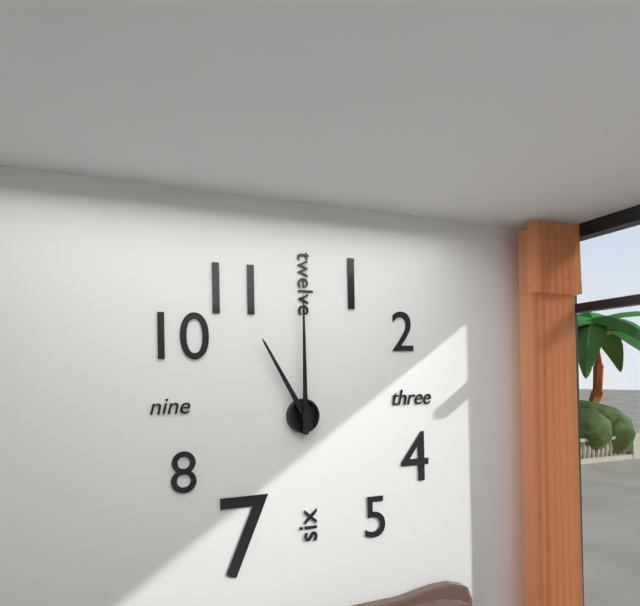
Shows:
11,00
